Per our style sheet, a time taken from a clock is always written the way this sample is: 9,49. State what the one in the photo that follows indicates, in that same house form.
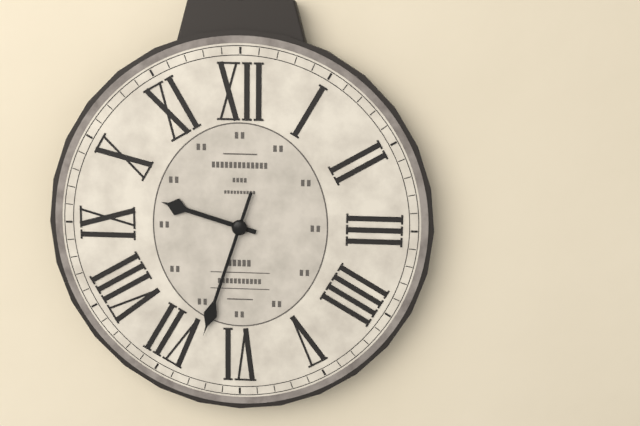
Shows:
9,33
